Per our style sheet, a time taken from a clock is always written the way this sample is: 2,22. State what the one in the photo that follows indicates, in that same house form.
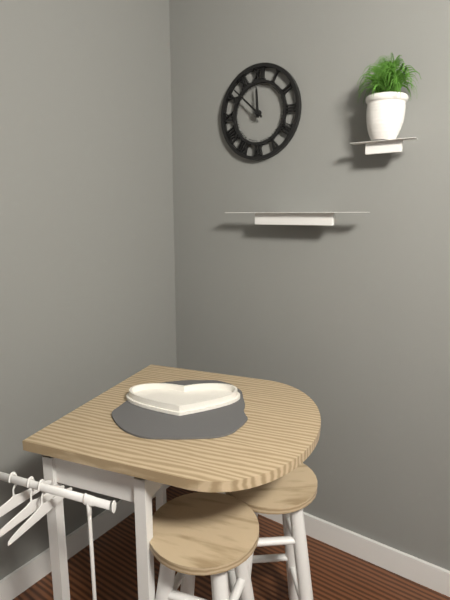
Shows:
11,52
